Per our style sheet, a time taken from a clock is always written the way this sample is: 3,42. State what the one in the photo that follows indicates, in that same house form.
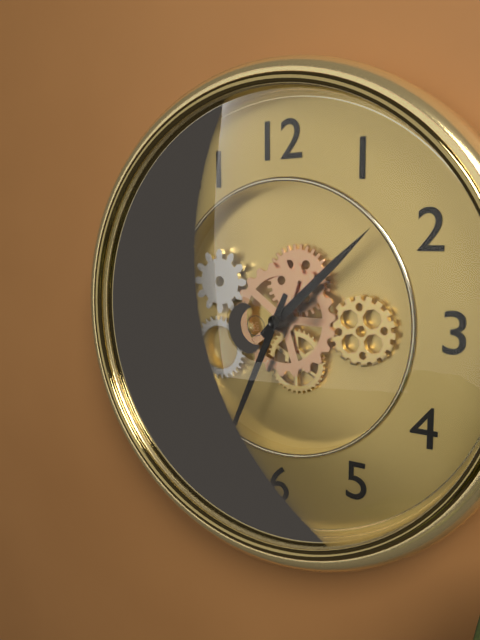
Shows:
1,34
